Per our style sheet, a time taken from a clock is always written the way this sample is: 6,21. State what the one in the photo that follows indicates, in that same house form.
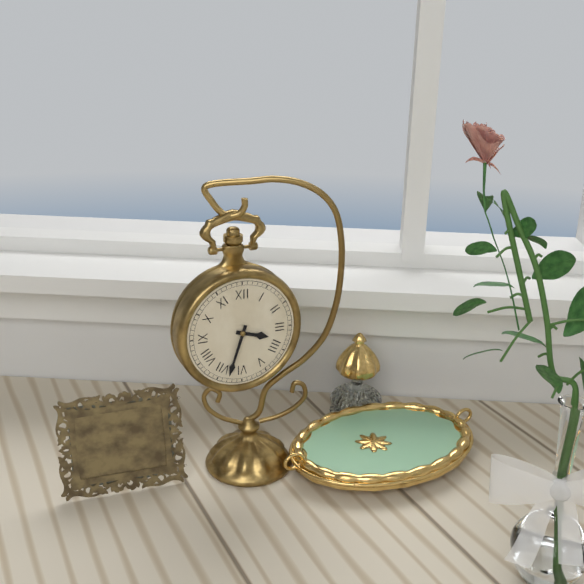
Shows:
3,33
